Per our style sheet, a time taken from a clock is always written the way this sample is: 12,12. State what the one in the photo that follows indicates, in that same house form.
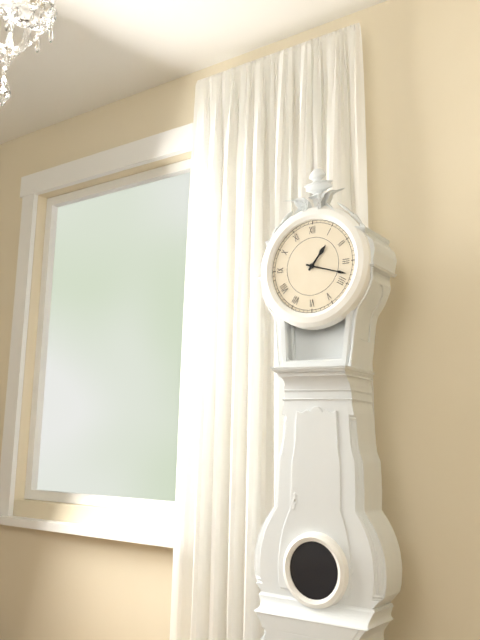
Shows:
1,18
